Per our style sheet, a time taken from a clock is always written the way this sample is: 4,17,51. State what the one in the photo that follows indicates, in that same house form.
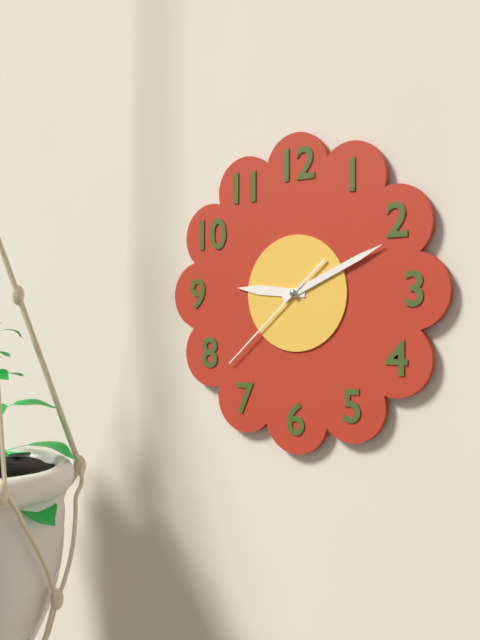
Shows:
9,11,38
